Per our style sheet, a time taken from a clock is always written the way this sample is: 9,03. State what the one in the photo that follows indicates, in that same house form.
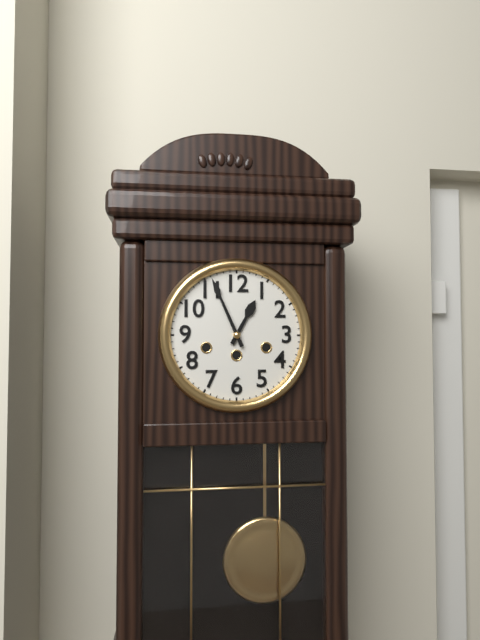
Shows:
12,56
